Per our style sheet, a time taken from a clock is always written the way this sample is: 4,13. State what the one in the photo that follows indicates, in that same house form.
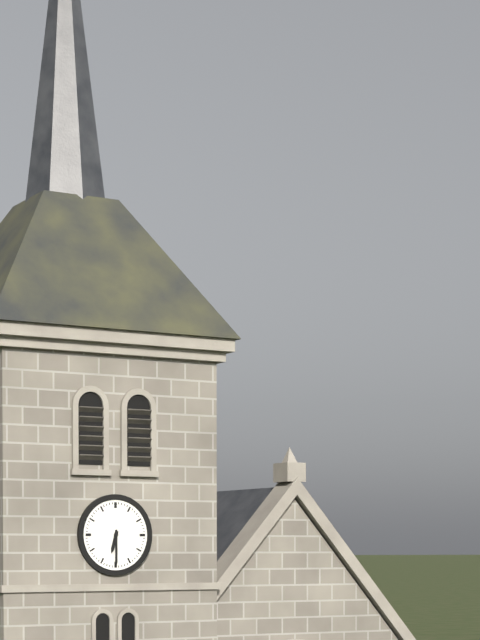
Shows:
6,30
